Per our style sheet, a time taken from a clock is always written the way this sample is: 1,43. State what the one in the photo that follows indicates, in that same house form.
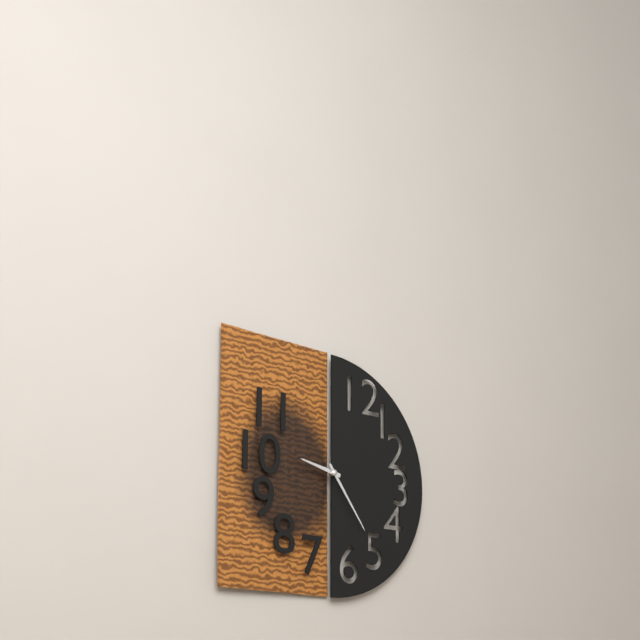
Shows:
9,24
